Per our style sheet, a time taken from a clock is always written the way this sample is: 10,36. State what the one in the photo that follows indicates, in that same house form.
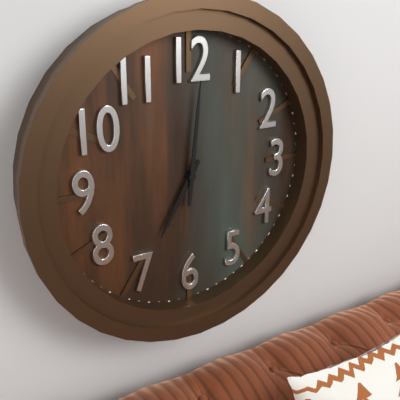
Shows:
7,01
